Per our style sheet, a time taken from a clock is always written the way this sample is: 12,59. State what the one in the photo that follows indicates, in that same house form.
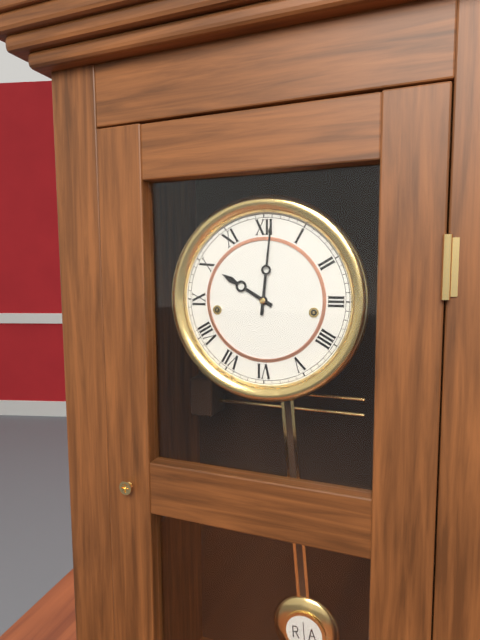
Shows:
10,01
